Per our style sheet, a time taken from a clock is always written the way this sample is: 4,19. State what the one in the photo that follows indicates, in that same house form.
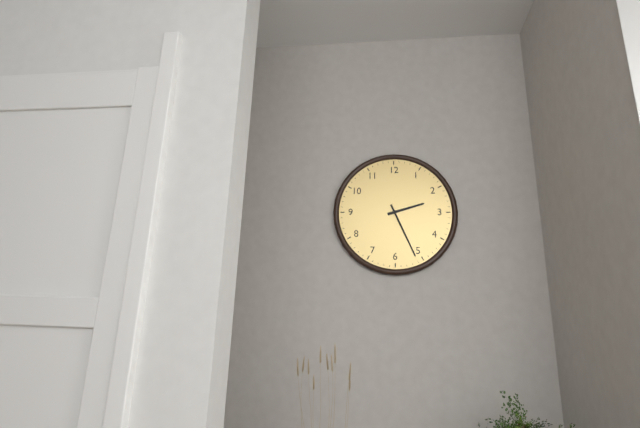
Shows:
2,26
